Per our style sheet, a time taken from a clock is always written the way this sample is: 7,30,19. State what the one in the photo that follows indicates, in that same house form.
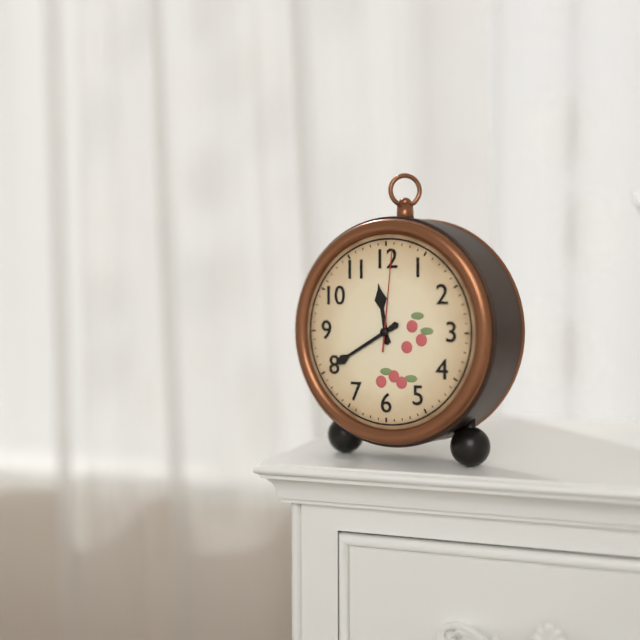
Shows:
11,40,01
